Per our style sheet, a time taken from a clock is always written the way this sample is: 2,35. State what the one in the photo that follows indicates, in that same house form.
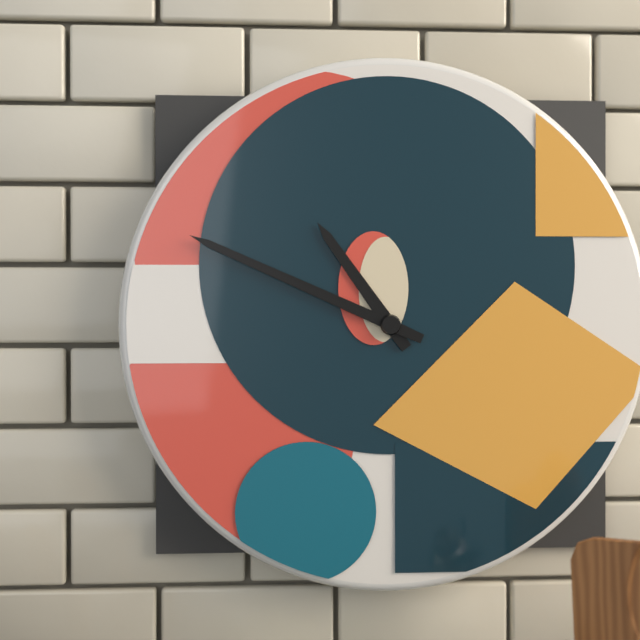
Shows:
10,49
